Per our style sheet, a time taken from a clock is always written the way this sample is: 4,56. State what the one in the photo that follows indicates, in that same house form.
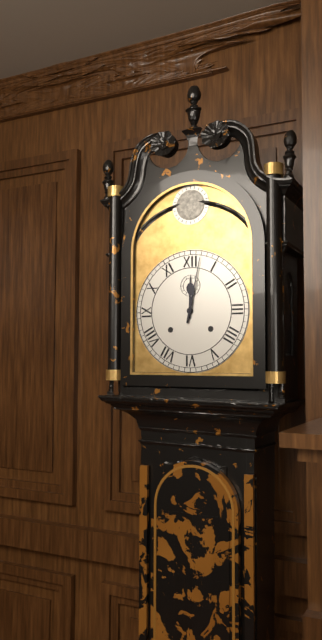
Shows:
12,02
